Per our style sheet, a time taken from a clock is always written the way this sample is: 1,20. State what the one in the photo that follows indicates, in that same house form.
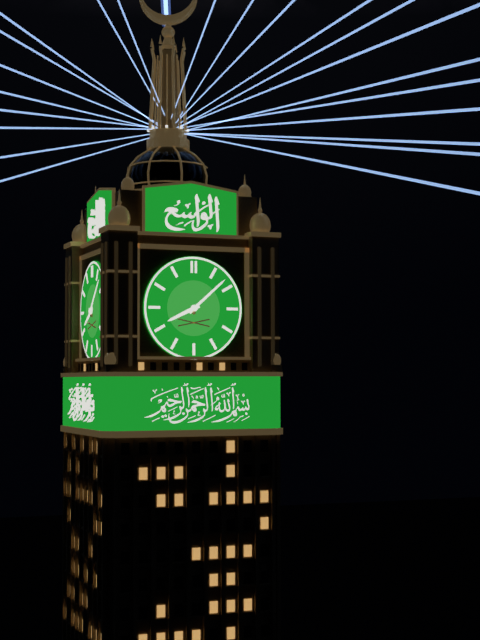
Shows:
8,08
